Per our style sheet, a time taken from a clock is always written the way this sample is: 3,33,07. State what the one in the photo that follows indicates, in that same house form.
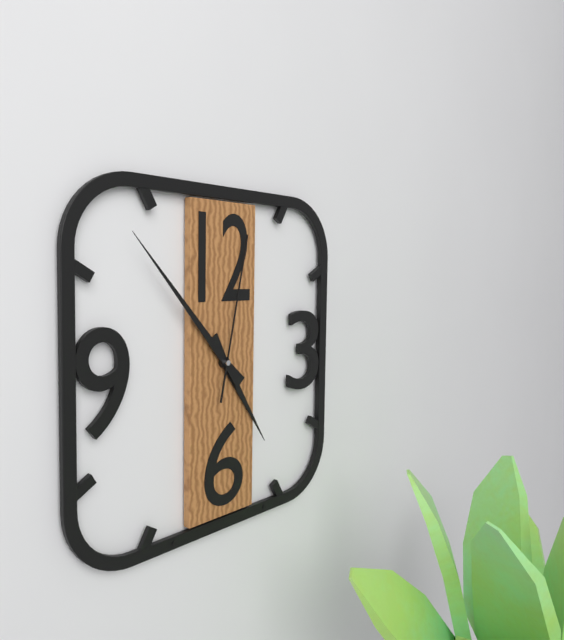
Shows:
4,53,02
